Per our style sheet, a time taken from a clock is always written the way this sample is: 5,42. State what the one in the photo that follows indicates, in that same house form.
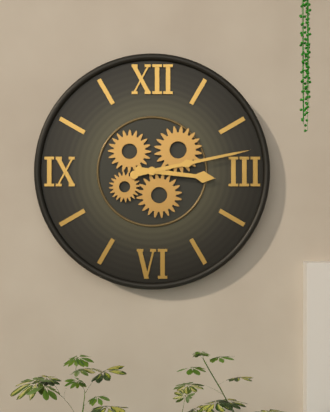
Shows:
3,13
